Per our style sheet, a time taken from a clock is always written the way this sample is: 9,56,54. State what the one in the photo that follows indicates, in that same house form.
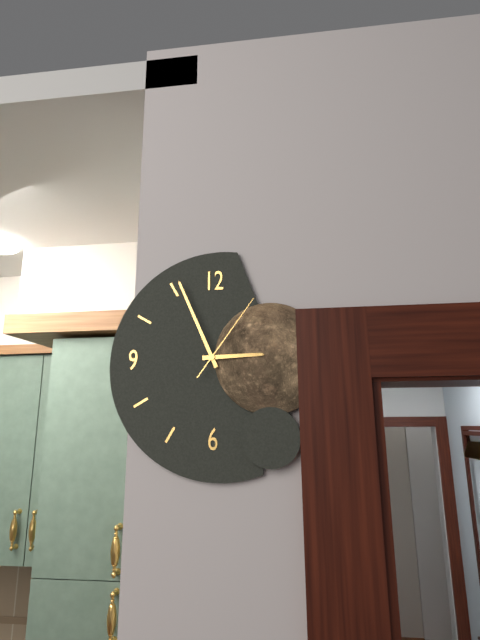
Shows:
2,56,06
